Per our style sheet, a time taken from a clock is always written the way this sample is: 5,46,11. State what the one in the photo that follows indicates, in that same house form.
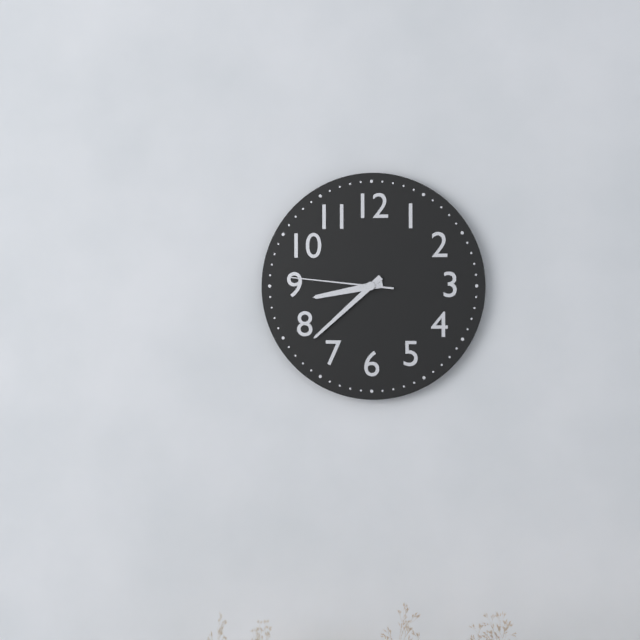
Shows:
8,38,46
